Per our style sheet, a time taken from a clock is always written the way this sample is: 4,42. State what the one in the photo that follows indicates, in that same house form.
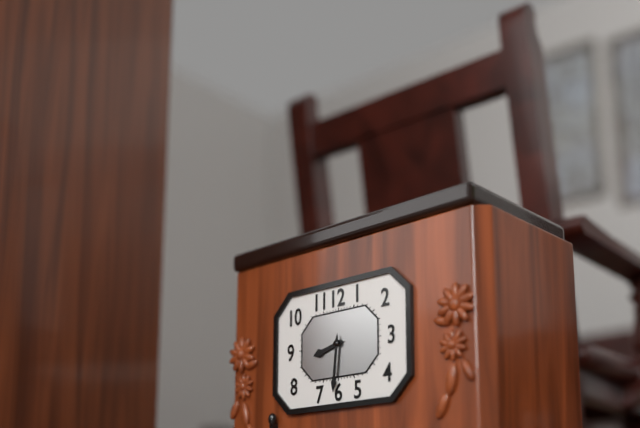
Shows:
8,31
